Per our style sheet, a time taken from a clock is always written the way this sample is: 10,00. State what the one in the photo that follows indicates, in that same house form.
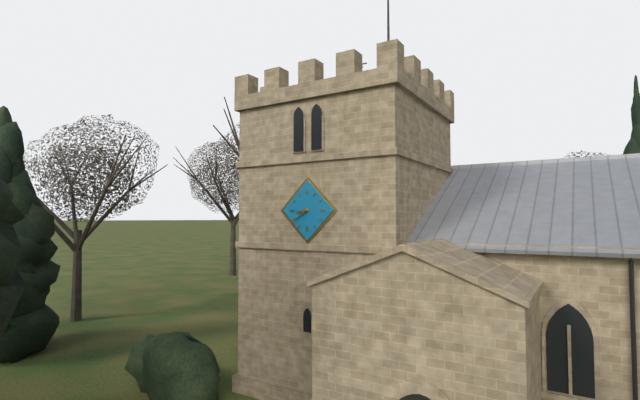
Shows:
8,39
